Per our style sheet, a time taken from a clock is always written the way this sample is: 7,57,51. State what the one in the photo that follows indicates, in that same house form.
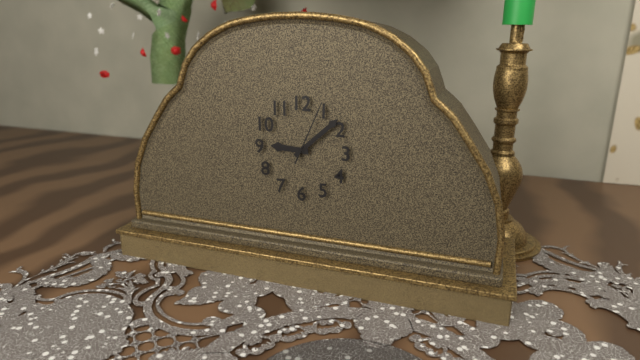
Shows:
9,08,04
